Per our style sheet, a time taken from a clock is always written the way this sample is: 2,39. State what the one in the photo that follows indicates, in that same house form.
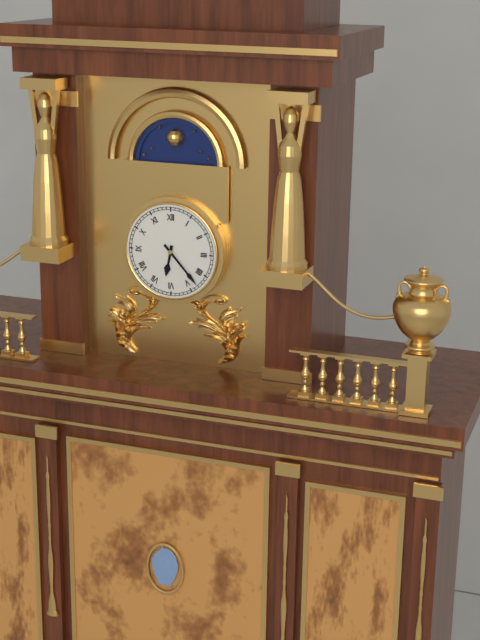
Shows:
6,23
